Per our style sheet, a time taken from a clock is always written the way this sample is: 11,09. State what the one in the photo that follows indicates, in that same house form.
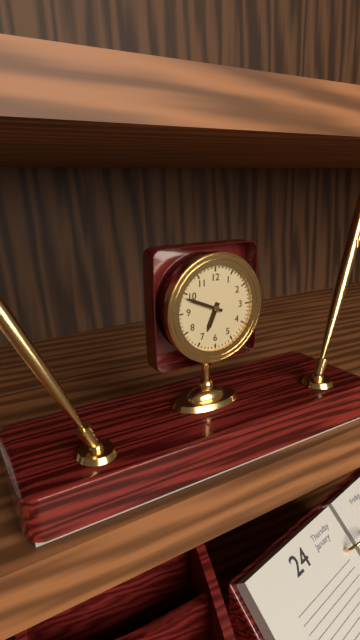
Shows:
6,49
